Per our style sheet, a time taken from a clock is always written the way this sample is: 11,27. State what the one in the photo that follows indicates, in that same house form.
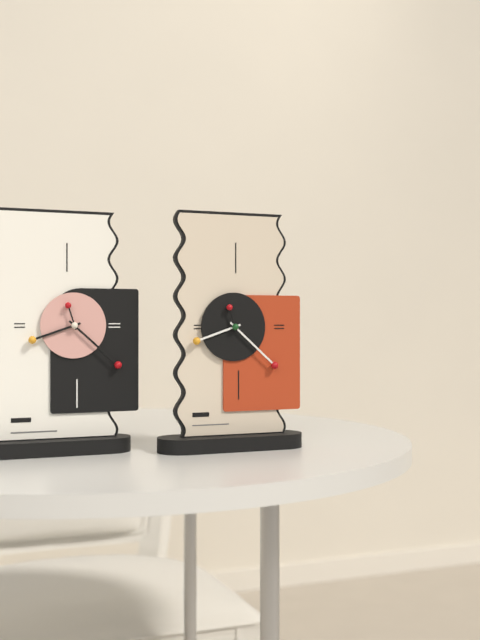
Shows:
8,22
